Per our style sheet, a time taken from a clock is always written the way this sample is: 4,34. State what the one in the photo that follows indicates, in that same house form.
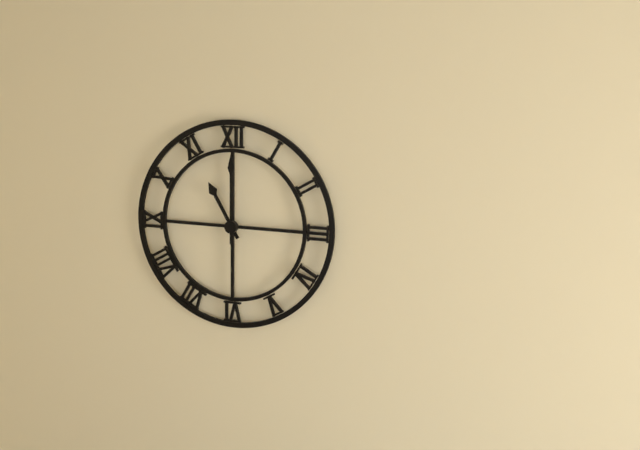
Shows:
11,00
